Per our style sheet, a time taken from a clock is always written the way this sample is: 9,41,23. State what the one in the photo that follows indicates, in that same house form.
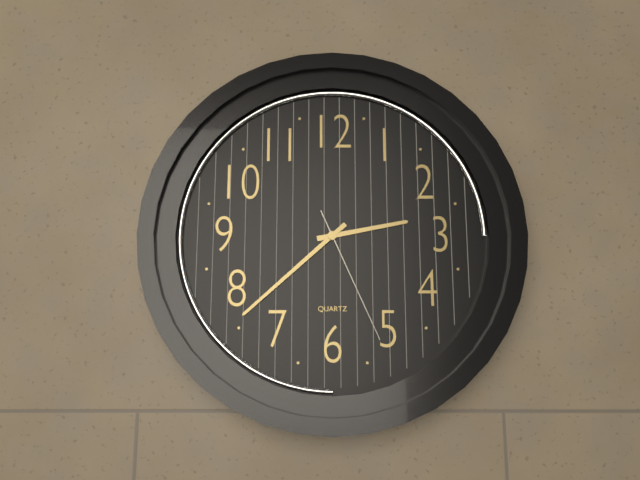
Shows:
2,38,26
